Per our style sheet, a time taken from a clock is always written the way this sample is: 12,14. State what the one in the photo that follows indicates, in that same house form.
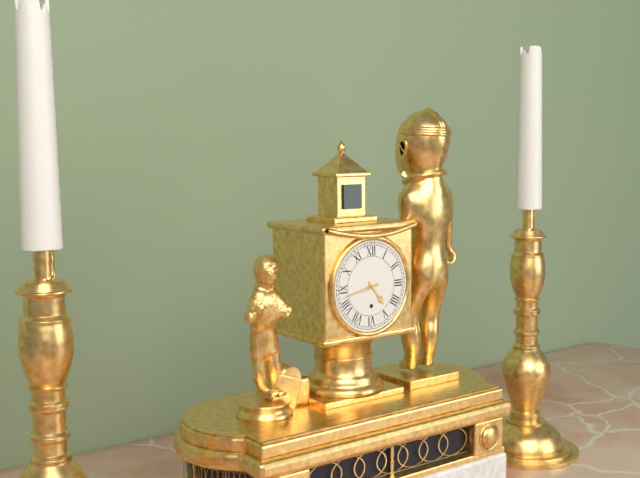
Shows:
4,43
